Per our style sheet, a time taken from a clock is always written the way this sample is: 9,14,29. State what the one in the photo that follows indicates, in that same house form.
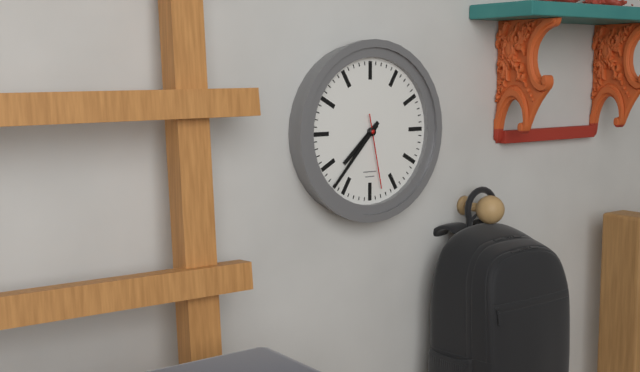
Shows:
7,37,28
